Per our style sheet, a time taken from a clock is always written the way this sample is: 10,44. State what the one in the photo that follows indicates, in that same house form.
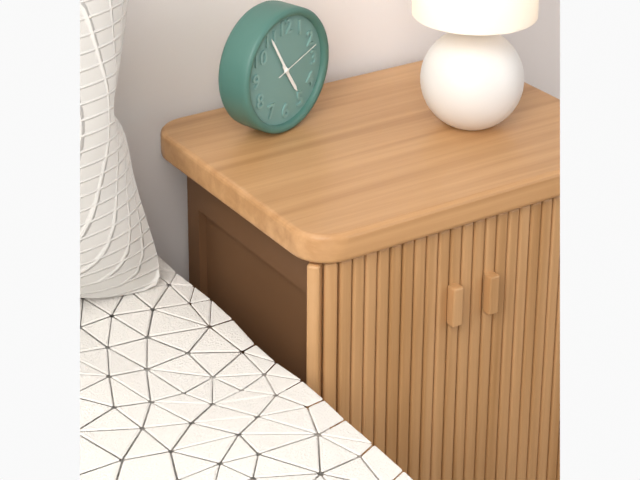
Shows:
4,55
